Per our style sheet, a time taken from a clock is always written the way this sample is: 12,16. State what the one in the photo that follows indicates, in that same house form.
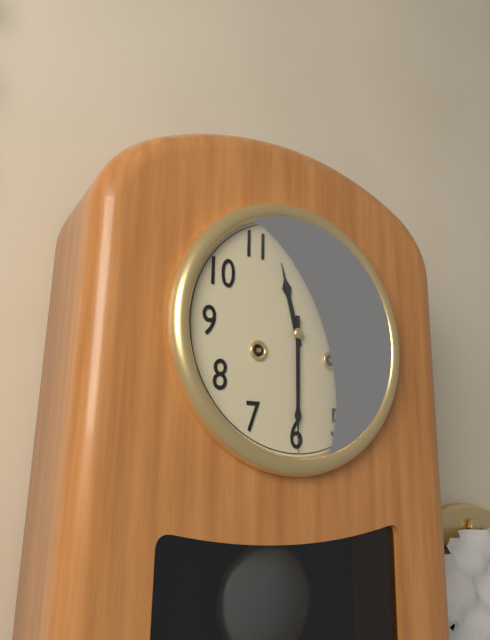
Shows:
11,30
